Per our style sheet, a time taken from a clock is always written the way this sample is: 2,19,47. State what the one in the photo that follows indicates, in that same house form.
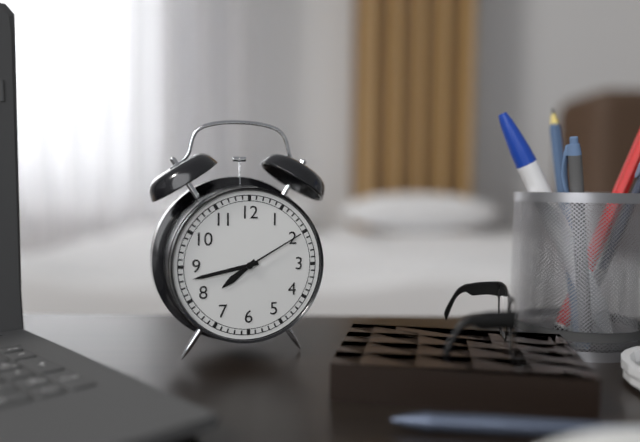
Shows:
7,43,10
